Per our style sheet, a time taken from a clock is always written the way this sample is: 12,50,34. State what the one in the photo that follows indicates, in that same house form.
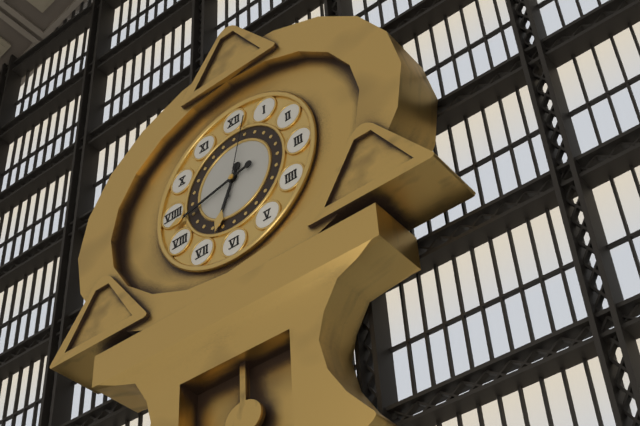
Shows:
6,43,02
